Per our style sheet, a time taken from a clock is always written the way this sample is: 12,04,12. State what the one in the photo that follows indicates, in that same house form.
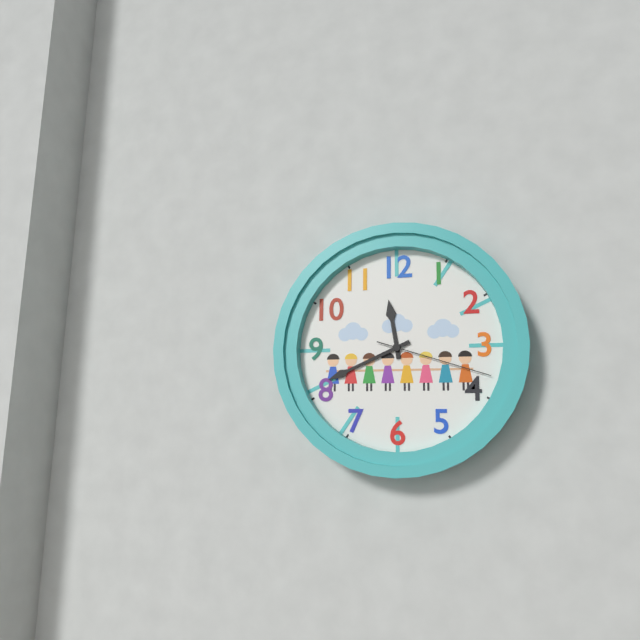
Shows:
11,41,18
